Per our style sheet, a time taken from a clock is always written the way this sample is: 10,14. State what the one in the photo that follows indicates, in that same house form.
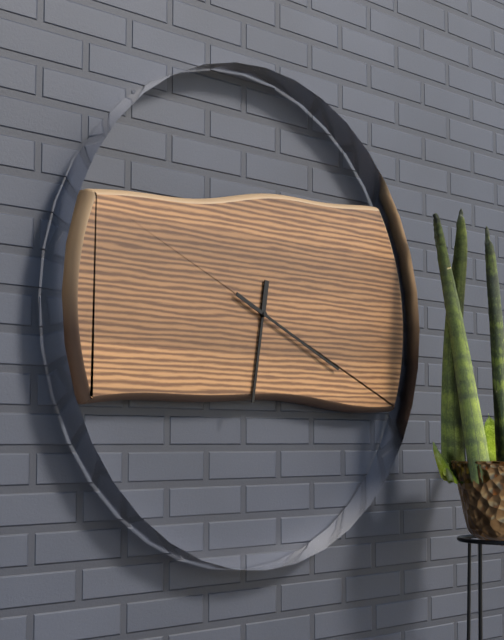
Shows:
6,19
